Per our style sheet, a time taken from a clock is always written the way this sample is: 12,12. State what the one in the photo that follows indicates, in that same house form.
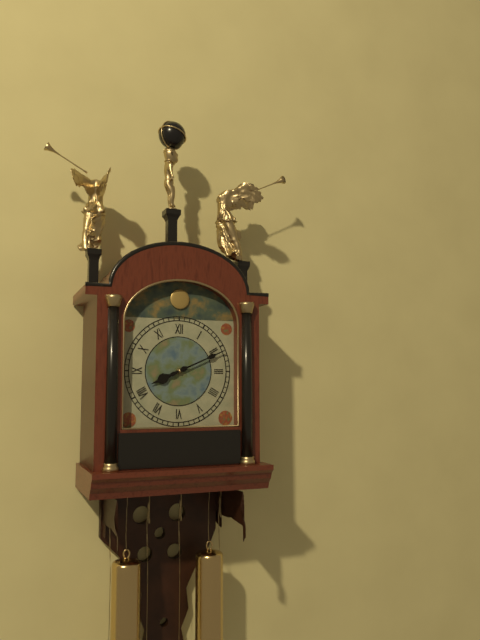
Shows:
8,11
